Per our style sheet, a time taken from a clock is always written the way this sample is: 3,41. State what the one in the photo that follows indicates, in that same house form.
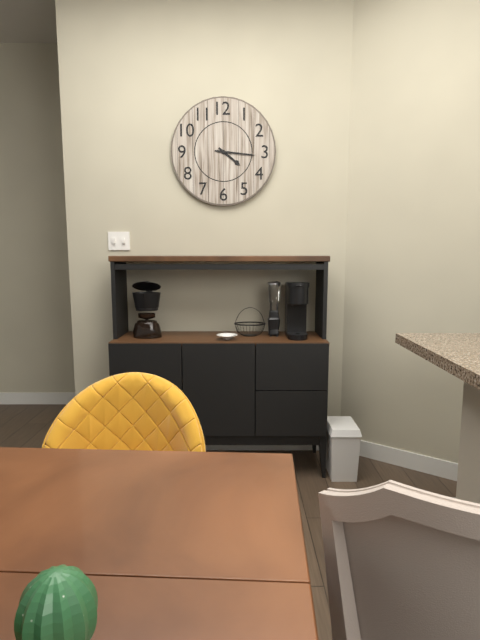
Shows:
4,16
